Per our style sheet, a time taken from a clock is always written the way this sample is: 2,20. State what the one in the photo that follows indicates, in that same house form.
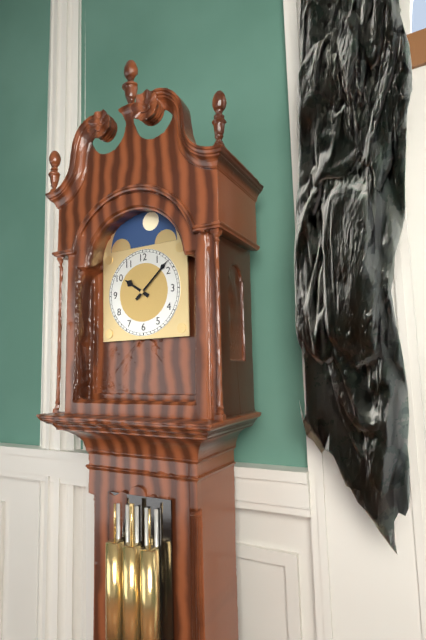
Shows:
10,08
